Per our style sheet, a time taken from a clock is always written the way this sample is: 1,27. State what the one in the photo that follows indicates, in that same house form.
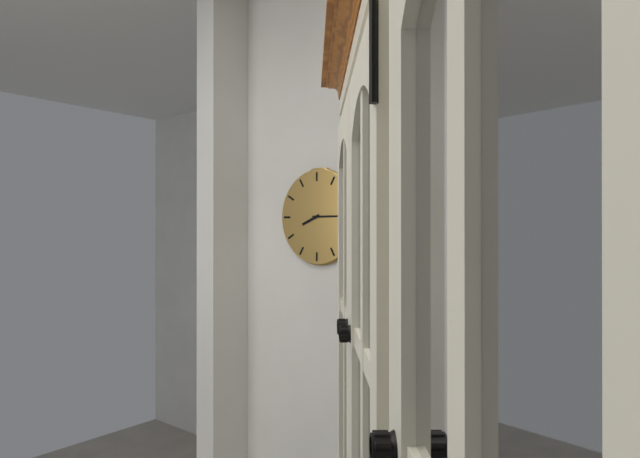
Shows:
8,15
